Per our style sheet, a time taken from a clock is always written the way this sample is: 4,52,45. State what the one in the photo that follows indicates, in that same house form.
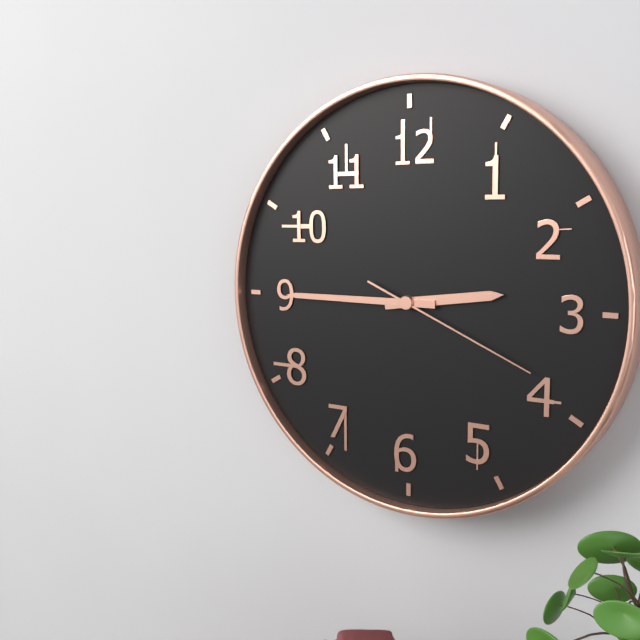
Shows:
2,45,19
